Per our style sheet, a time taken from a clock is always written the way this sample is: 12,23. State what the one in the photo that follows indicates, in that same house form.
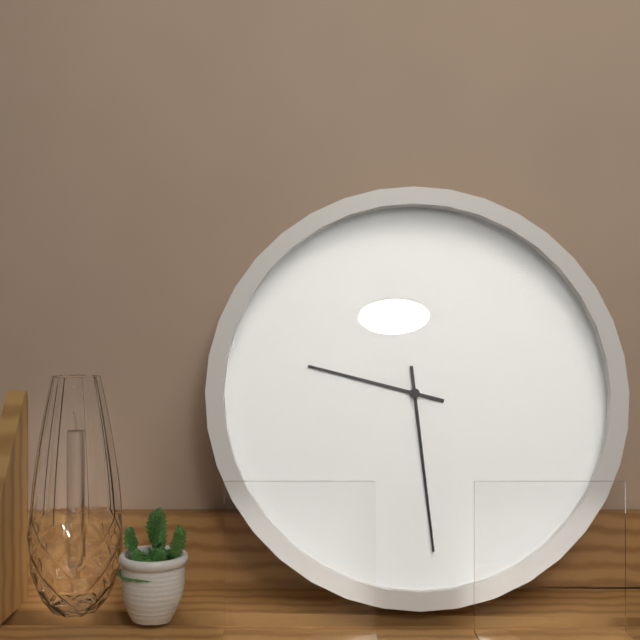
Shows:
9,29
